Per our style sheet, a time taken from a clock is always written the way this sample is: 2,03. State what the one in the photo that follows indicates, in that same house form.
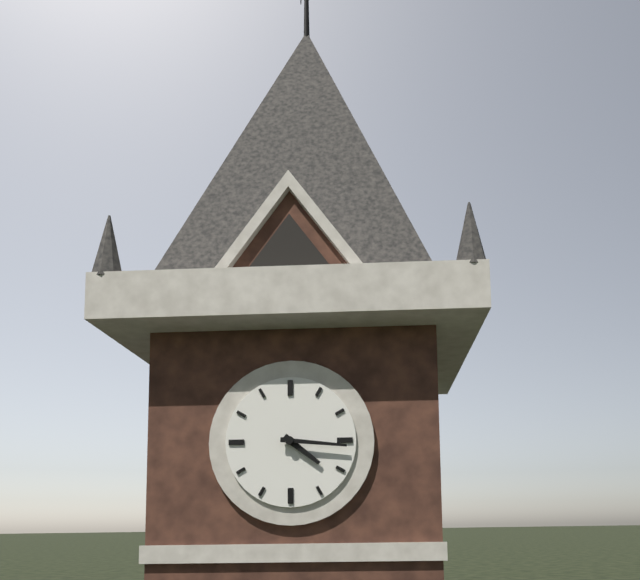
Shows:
4,16
